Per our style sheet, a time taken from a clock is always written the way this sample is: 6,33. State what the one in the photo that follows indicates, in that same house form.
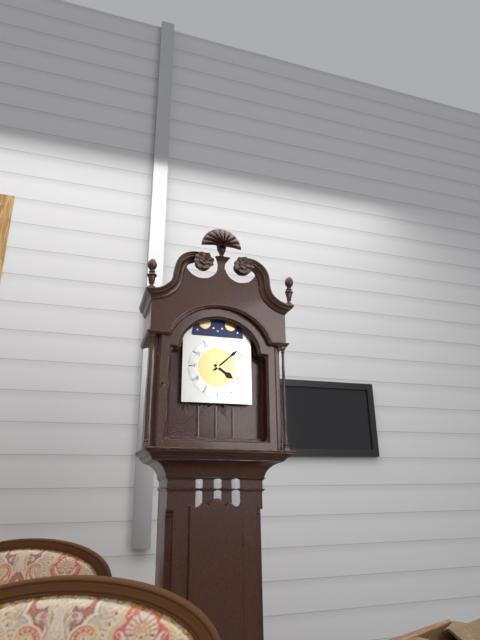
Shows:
4,08
